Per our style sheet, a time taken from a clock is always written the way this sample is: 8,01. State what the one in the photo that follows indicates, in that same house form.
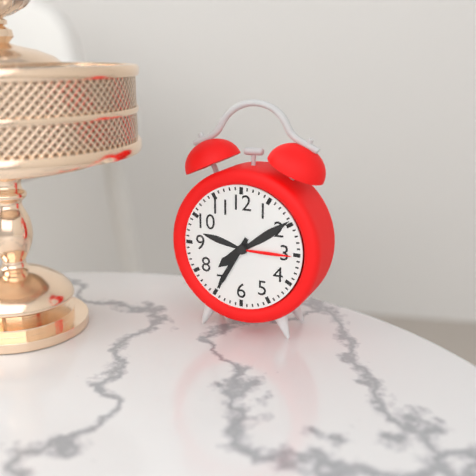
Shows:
7,35
